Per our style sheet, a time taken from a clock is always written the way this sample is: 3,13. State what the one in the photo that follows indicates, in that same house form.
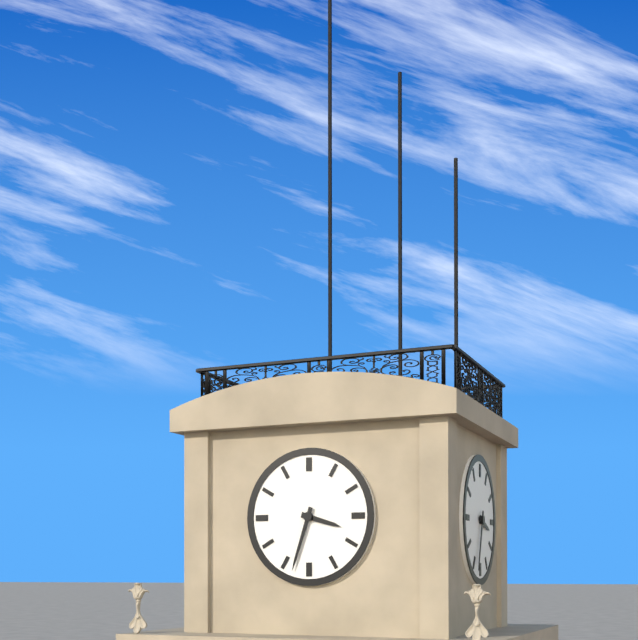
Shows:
3,33
